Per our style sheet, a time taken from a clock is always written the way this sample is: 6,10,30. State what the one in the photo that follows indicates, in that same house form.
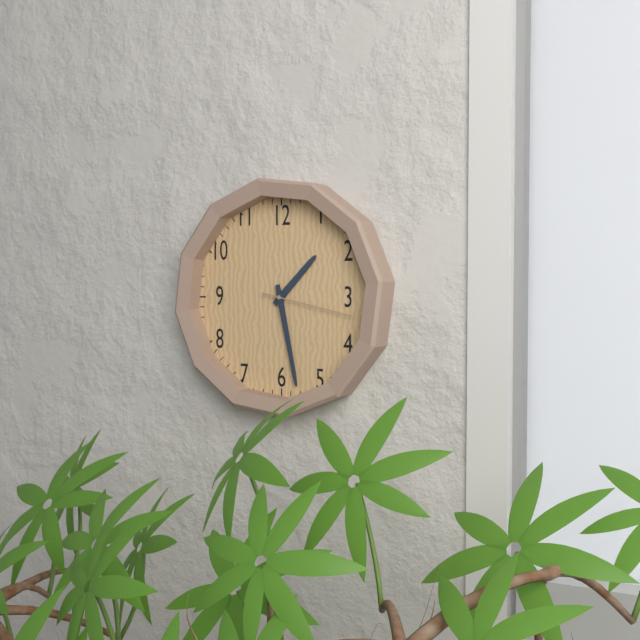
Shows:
1,28,17
